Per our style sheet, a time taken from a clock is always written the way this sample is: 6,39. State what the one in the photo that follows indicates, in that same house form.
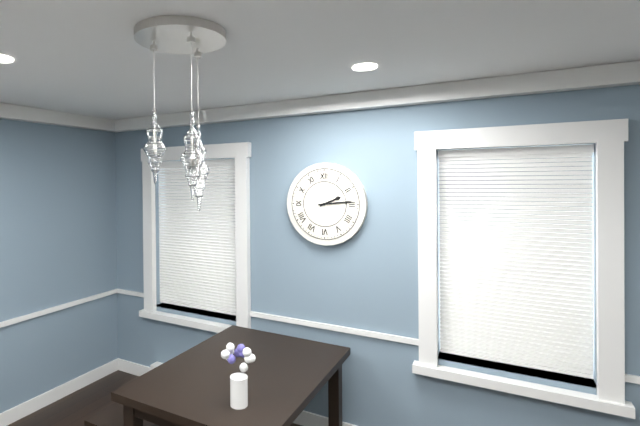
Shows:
2,14
